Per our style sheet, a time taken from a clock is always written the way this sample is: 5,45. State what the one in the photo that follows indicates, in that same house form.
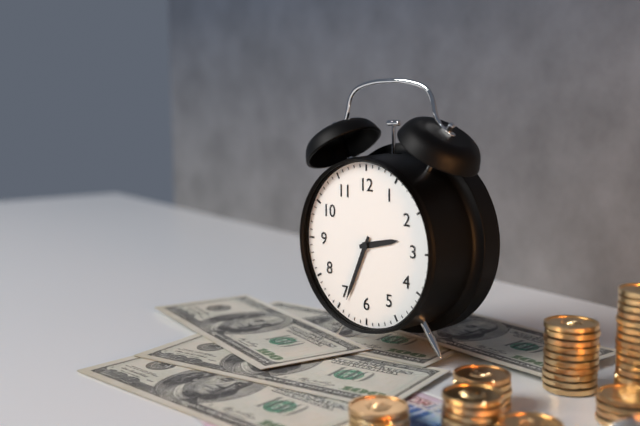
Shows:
2,34
